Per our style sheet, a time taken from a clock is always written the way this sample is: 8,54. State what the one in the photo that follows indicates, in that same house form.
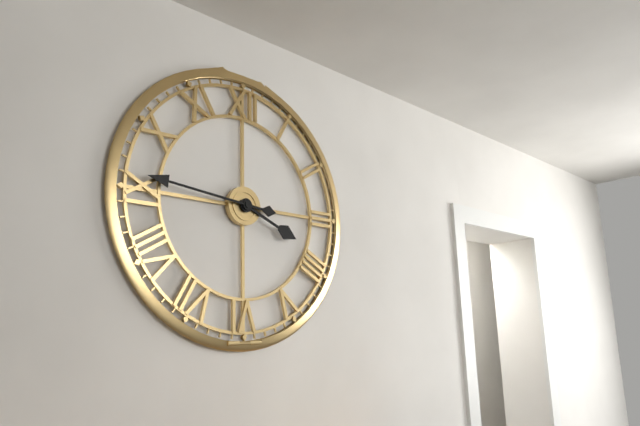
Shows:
3,46
